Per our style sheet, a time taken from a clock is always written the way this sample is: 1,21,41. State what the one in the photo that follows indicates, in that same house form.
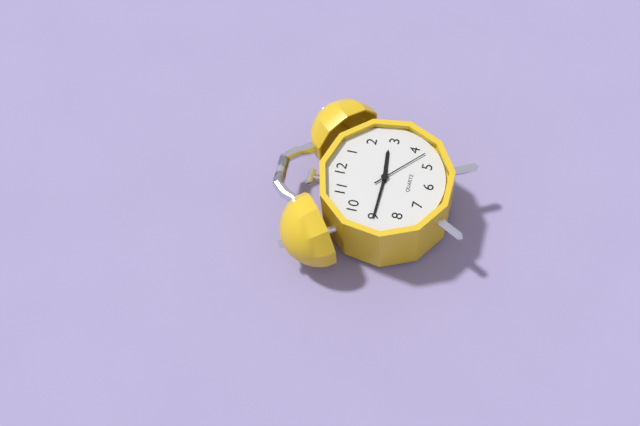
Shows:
2,45,22
